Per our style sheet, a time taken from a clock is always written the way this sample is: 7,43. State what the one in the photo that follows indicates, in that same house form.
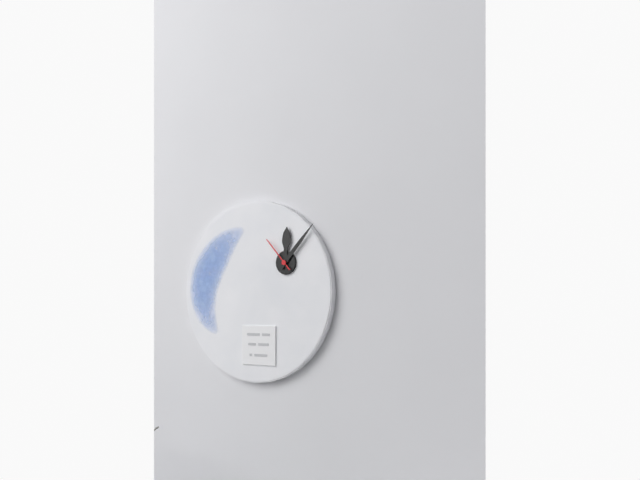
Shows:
12,07
